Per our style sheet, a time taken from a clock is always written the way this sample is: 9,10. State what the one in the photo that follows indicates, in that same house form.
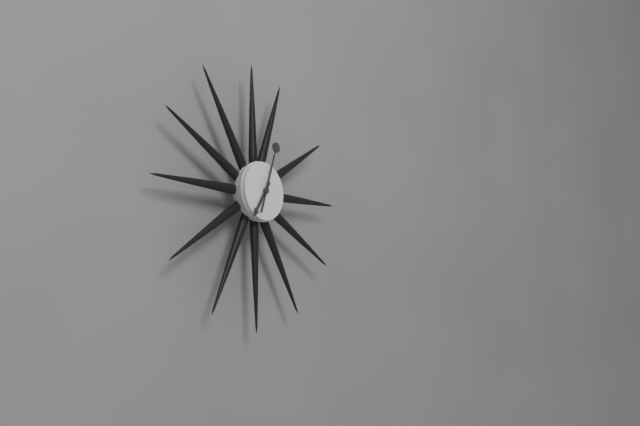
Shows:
7,03
